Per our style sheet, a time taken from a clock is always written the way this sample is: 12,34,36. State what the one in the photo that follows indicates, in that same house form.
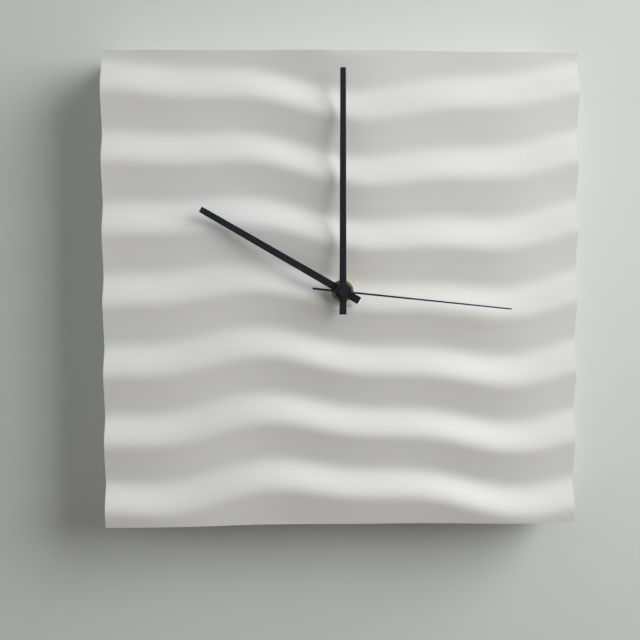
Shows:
10,00,16
